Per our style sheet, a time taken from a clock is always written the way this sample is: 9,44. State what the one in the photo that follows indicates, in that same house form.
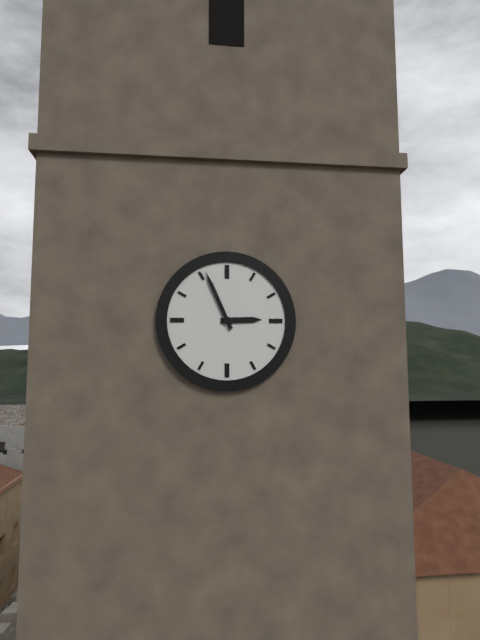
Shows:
2,56
